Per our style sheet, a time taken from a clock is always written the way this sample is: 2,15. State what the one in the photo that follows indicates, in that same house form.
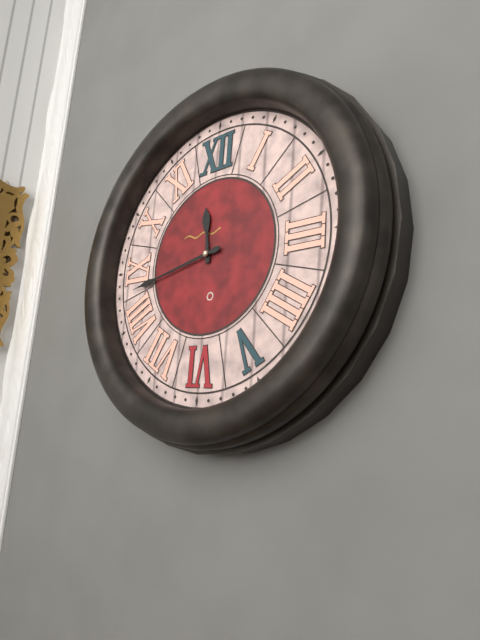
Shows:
11,43
